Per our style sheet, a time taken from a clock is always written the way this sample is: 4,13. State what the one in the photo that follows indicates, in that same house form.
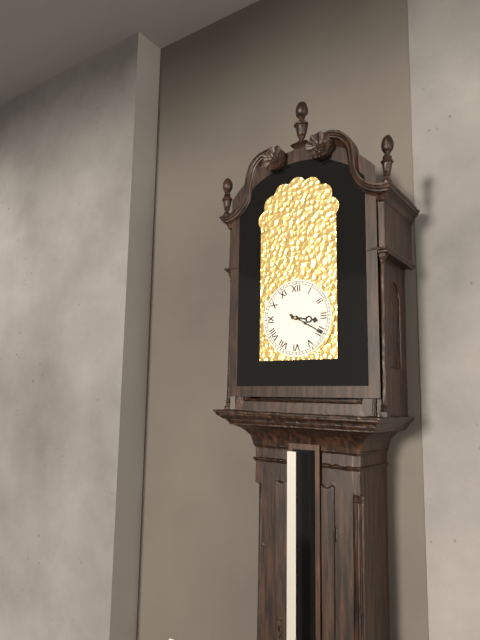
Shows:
3,20
